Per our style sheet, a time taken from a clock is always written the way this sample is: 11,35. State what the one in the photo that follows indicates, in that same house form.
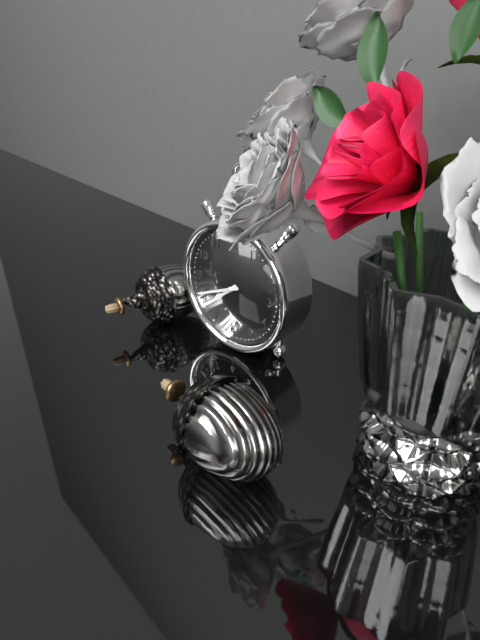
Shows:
7,41
